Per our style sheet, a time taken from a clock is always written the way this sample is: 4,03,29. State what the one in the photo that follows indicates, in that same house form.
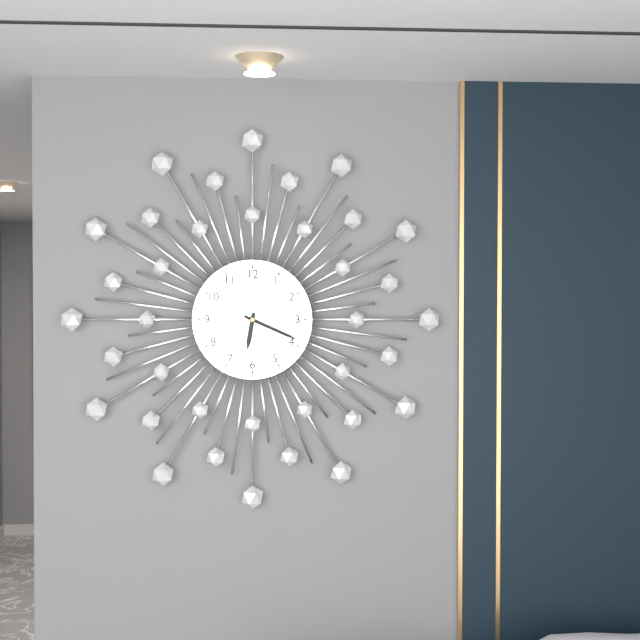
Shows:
6,19,41
